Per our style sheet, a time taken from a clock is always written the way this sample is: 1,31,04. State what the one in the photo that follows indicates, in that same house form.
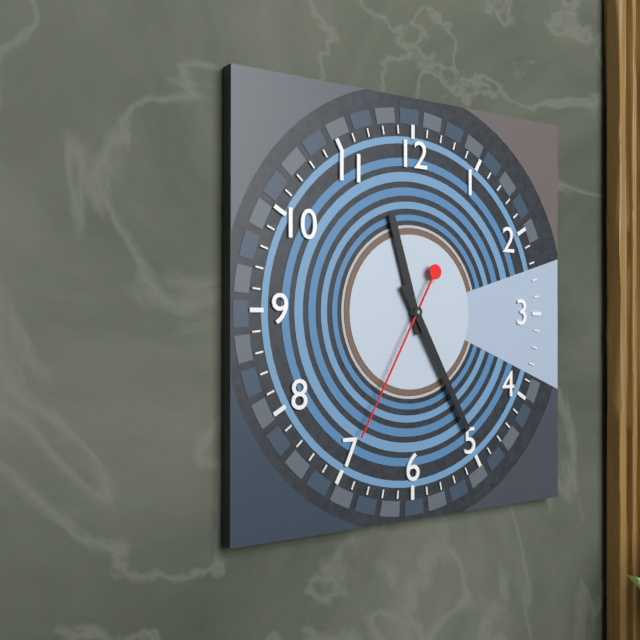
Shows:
11,25,35
